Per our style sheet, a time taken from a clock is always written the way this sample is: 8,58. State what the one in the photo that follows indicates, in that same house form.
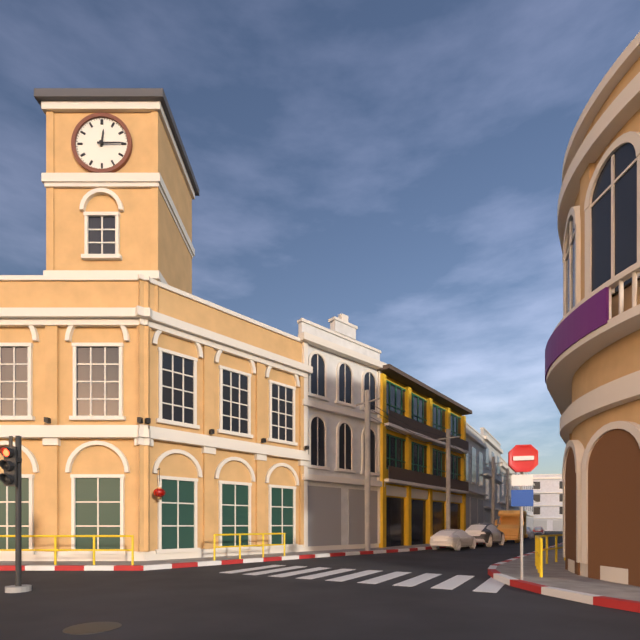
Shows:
12,15
